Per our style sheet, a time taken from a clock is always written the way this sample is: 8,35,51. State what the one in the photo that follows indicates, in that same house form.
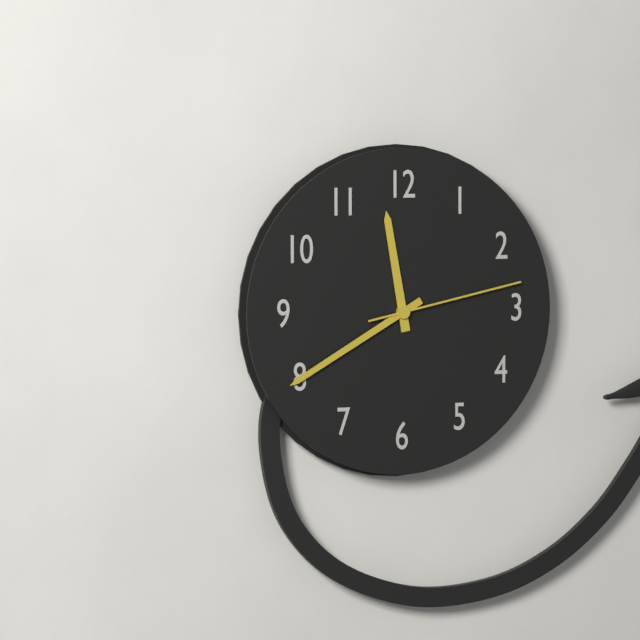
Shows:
11,40,13
